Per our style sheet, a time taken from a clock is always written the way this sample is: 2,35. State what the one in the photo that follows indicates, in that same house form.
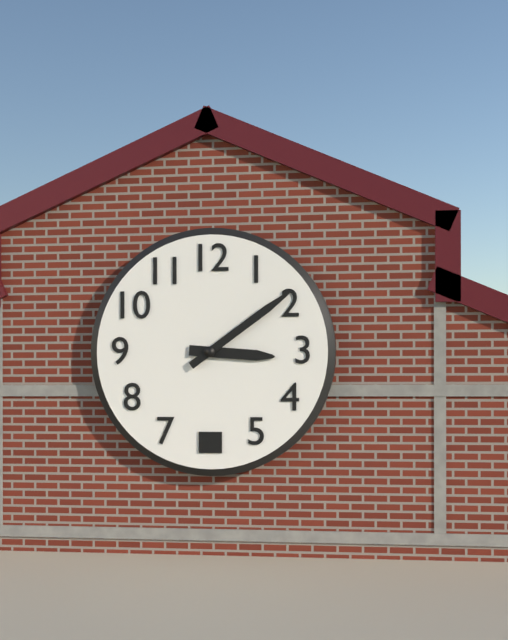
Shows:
3,09
